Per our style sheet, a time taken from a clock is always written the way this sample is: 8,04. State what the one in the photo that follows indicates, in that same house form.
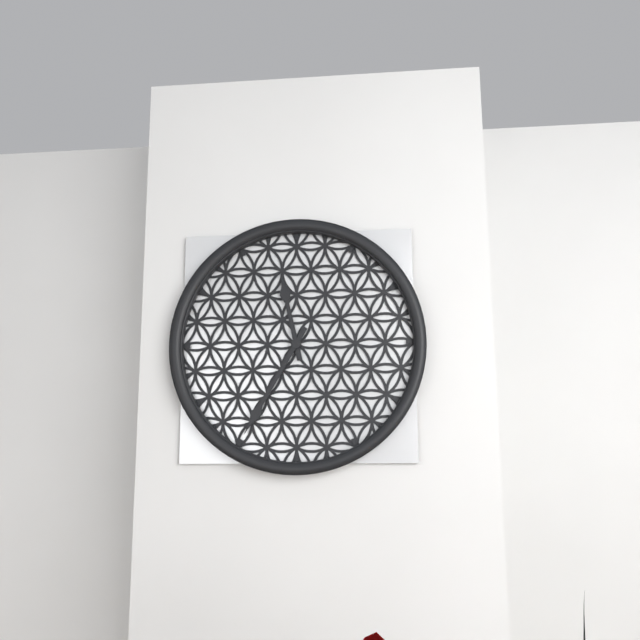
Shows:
11,35
